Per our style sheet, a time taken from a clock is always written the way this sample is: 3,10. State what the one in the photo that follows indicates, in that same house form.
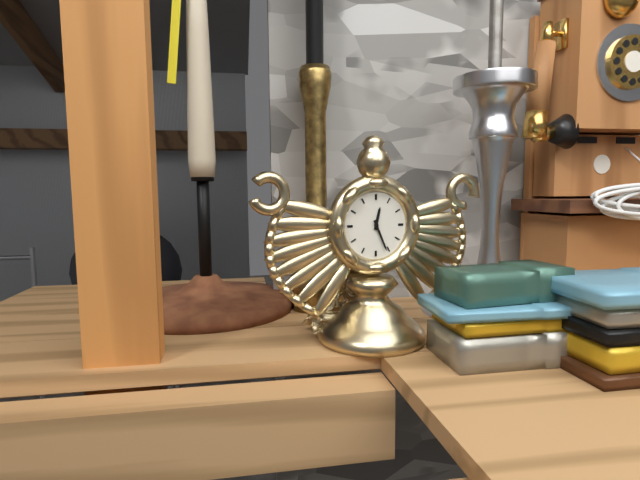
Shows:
12,26
